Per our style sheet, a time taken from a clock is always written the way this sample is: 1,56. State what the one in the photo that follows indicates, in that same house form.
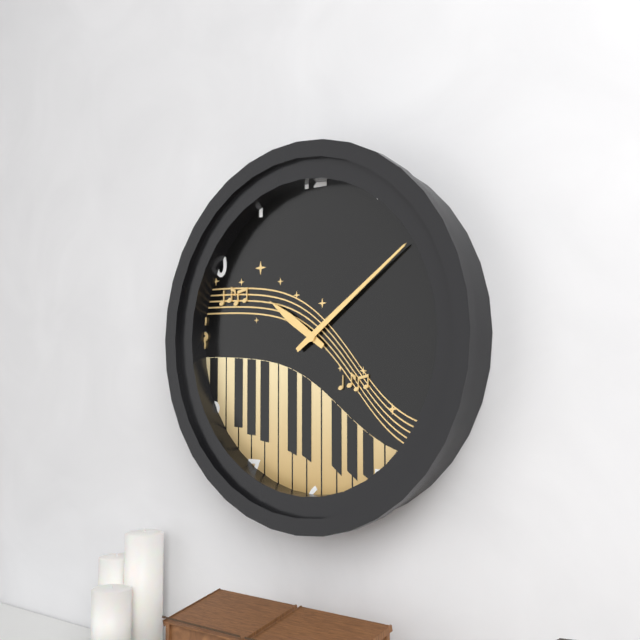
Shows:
10,09
